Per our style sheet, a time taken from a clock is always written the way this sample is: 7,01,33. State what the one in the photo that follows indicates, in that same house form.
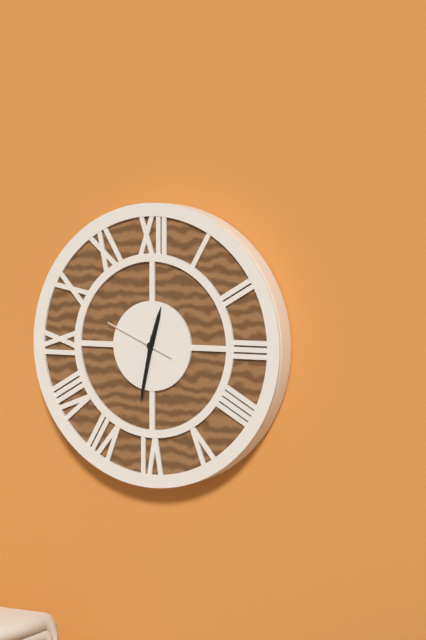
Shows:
12,32,49
